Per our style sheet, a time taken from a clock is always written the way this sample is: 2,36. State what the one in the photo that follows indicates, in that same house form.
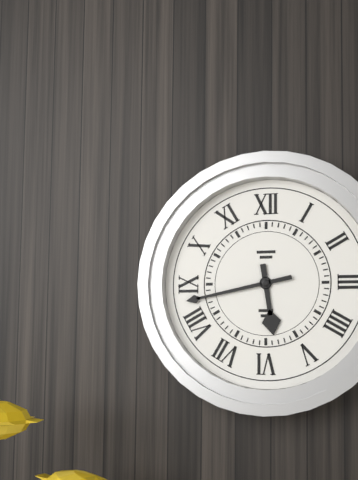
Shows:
5,43
